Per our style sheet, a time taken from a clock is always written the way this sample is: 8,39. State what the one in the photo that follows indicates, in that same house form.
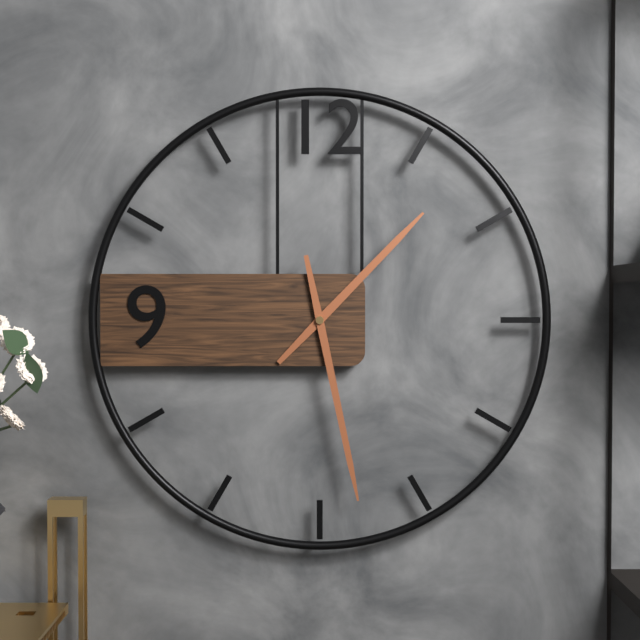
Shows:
1,28
